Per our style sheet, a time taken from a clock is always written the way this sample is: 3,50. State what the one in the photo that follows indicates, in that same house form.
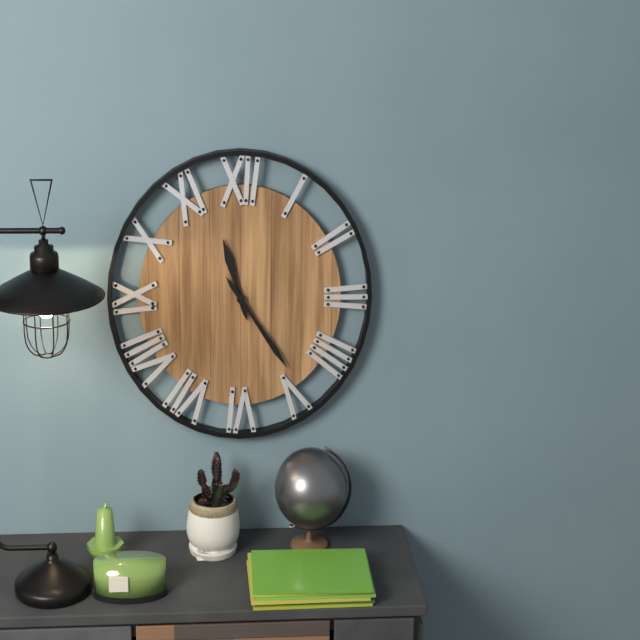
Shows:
11,24
